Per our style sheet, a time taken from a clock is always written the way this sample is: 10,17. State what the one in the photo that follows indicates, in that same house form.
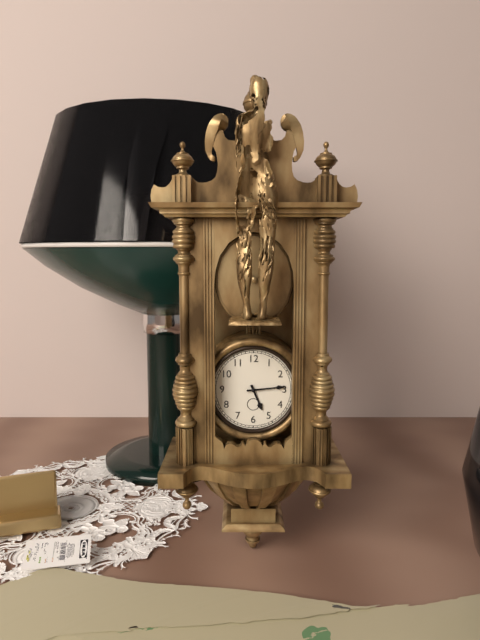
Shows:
5,14
